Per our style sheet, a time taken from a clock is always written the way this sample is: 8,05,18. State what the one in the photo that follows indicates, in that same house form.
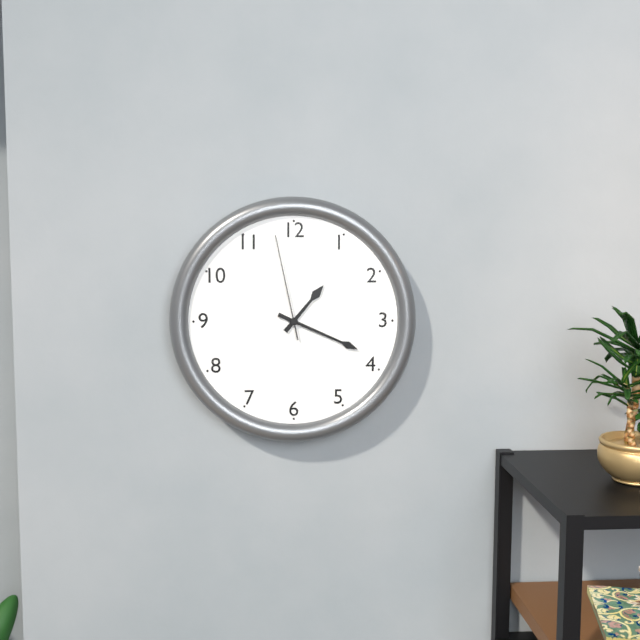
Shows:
1,19,58
